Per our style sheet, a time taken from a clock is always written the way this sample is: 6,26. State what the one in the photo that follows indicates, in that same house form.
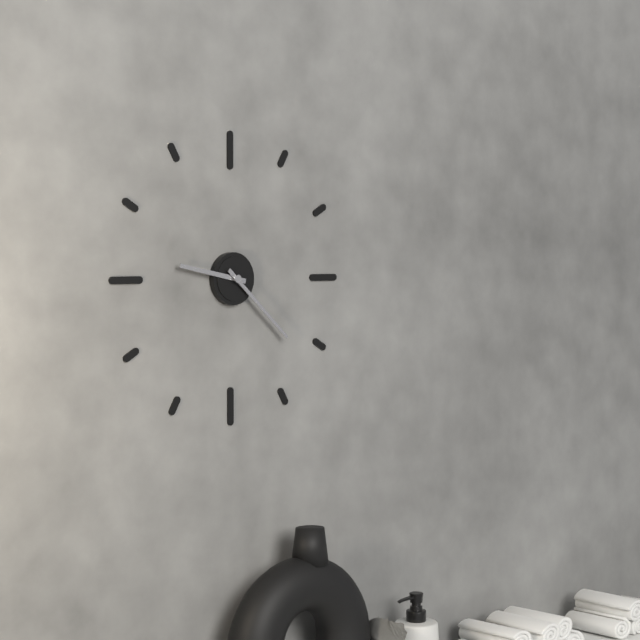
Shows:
9,22
